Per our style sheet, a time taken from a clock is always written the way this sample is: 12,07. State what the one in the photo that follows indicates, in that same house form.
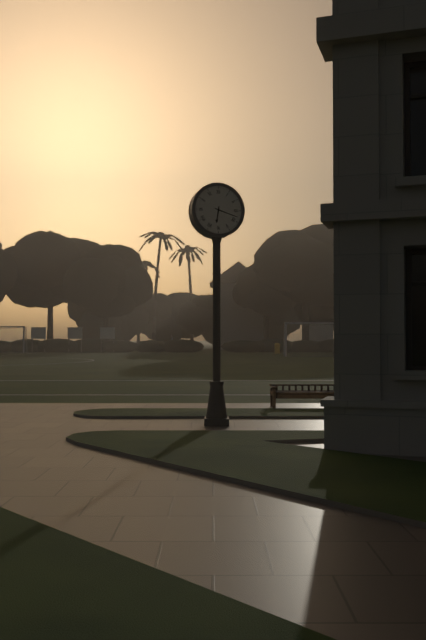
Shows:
6,18
